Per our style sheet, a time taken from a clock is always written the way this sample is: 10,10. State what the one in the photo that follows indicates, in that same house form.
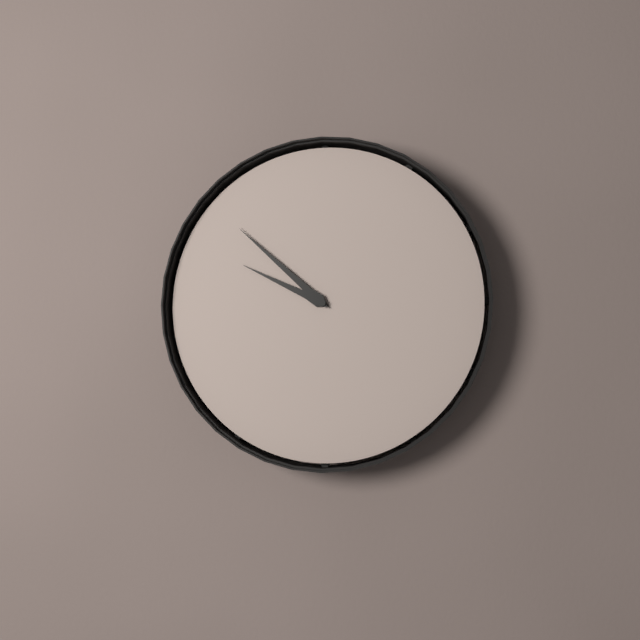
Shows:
9,52
